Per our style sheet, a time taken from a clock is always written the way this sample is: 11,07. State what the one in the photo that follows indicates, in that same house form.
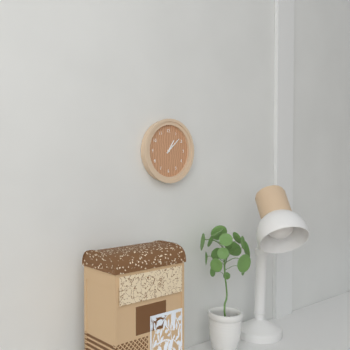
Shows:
1,08
